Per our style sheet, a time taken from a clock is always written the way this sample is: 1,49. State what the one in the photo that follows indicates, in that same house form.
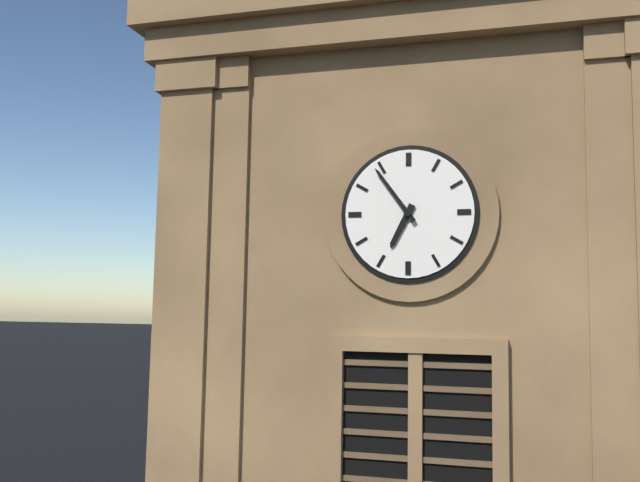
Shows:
6,54
